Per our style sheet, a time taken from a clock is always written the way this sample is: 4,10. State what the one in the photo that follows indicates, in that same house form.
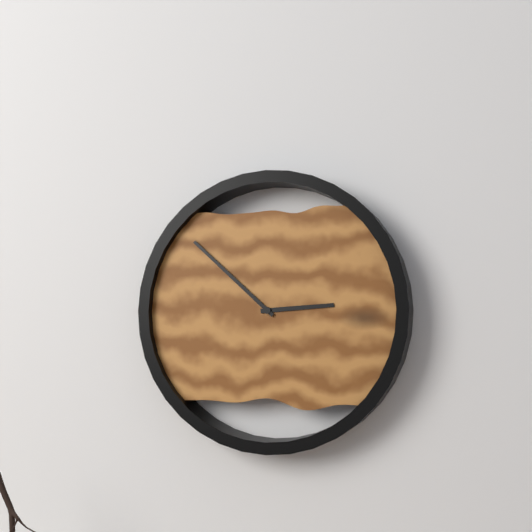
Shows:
2,52
